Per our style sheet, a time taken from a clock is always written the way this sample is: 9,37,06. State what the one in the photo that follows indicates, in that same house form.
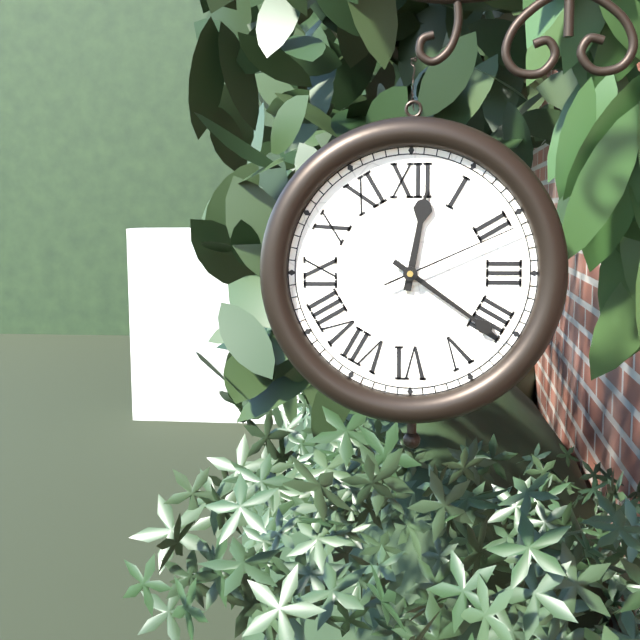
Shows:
12,21,11
